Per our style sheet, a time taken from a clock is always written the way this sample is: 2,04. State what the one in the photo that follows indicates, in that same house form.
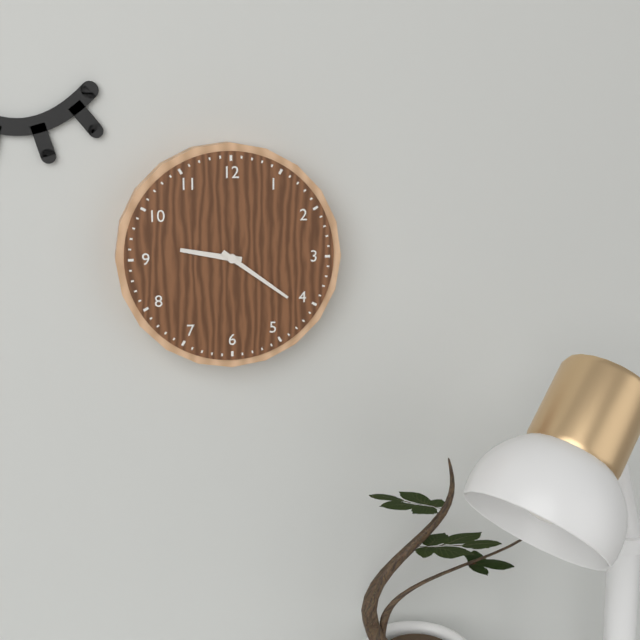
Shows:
9,21
